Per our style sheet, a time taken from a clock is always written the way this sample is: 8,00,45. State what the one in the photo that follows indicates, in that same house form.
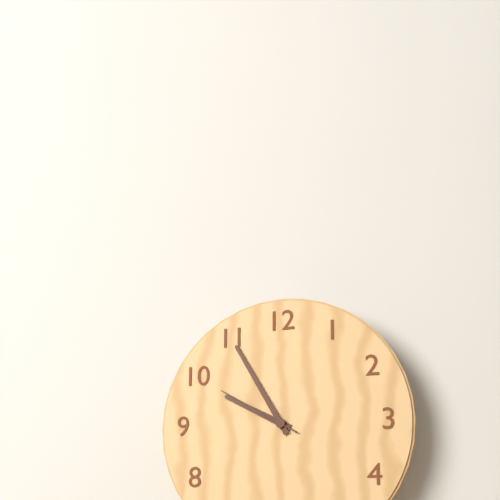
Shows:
9,55,50
